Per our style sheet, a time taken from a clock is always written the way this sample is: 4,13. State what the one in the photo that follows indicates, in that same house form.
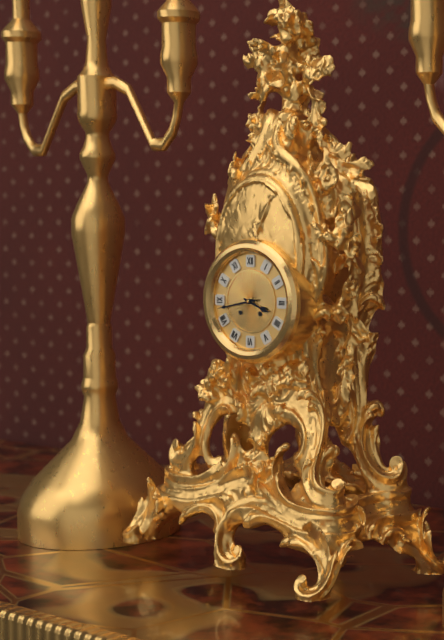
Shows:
3,43
